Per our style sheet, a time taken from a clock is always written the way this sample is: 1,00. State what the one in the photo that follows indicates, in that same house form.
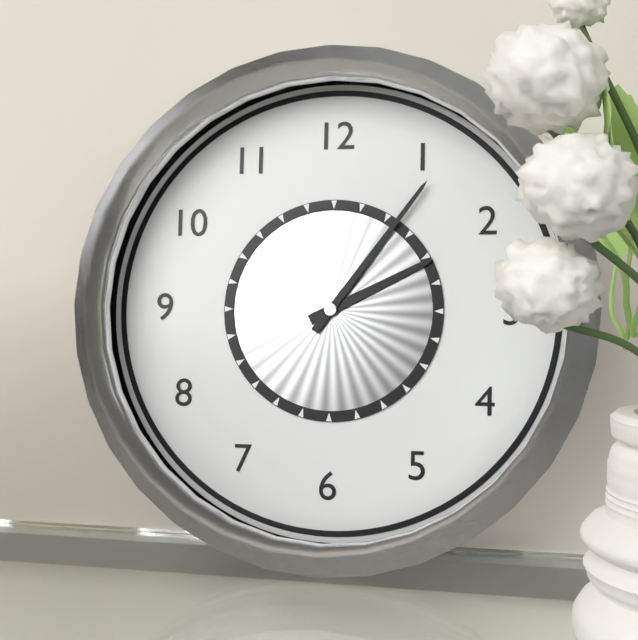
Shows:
2,06
